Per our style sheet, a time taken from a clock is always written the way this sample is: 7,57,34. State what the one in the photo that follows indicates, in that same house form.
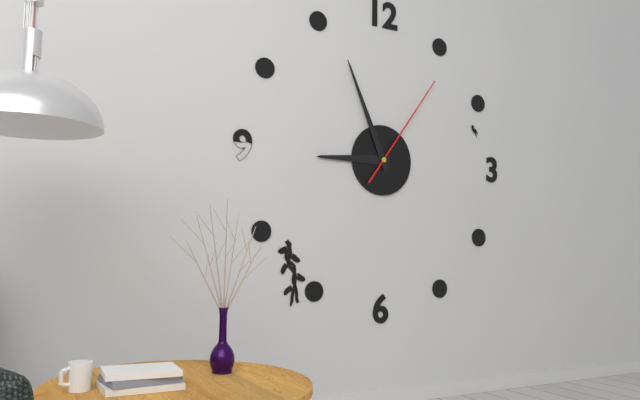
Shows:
8,56,06
